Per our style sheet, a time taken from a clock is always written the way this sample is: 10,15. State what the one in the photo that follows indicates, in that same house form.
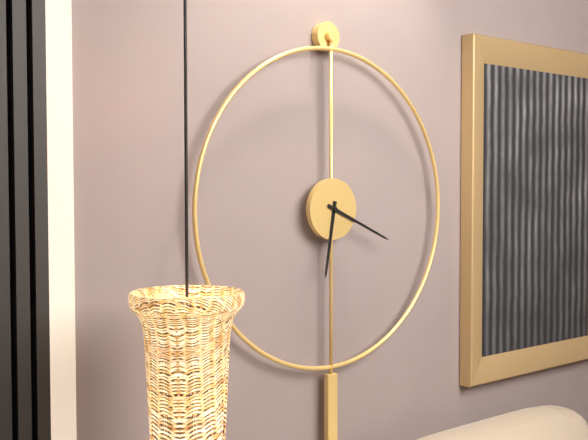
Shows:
6,19
